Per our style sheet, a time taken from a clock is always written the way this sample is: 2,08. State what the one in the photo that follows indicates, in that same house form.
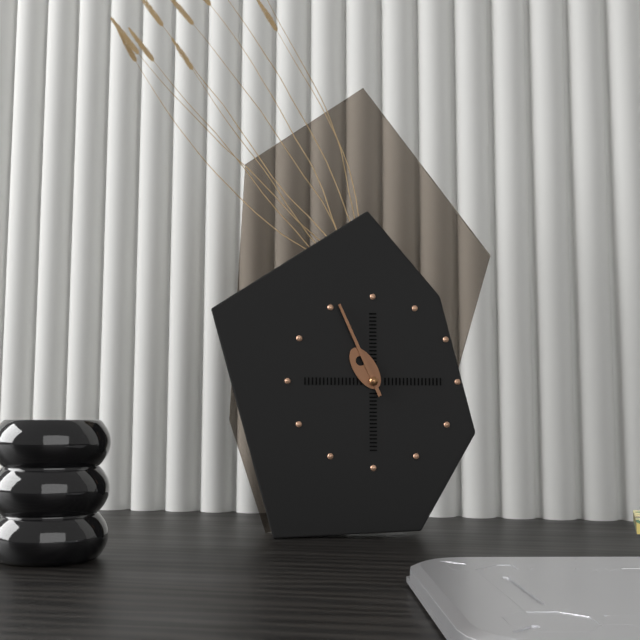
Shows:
10,56
